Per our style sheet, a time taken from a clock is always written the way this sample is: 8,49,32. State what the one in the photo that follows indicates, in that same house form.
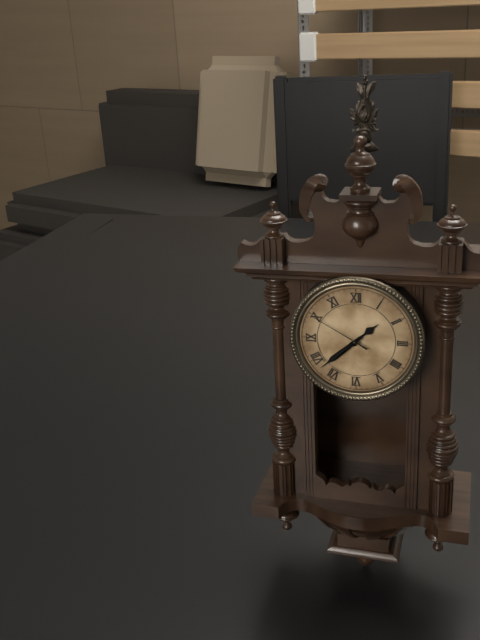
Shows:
1,38,50
